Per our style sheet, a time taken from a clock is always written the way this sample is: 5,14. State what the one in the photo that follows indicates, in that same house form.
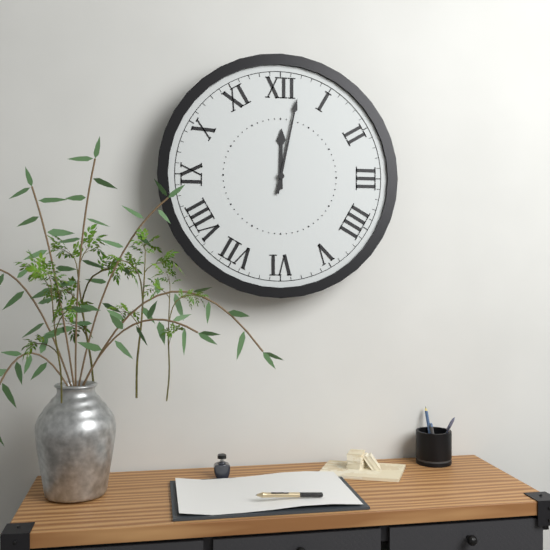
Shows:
12,02
